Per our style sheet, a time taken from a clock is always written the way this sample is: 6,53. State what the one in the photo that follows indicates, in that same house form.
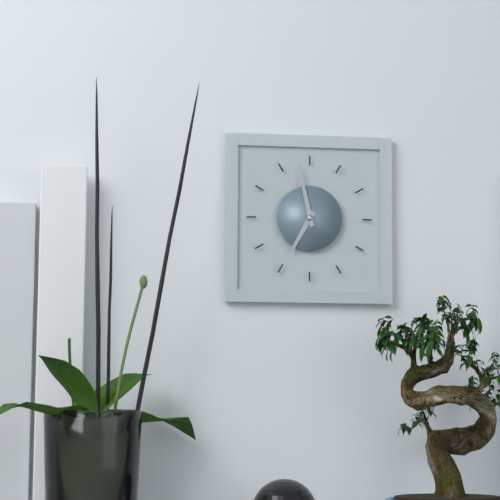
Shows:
6,58
